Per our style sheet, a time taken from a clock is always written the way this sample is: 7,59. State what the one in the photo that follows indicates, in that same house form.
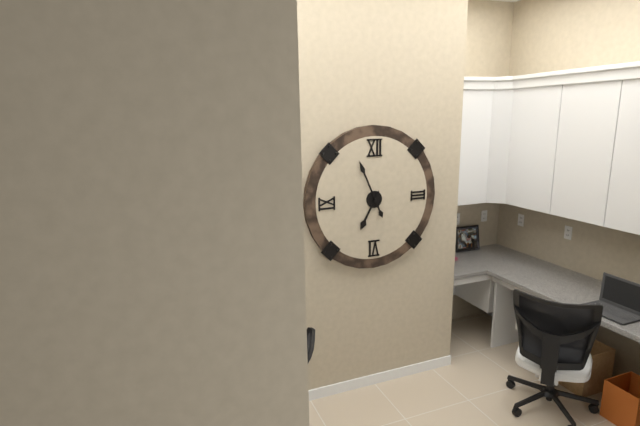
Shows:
6,56
